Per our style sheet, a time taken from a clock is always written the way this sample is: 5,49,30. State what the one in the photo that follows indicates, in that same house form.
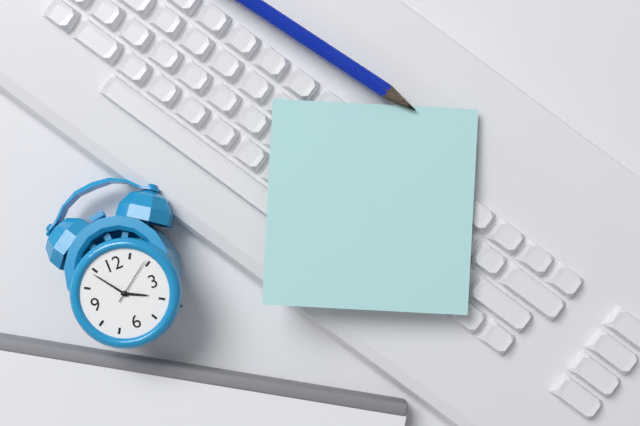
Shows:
3,54,09
